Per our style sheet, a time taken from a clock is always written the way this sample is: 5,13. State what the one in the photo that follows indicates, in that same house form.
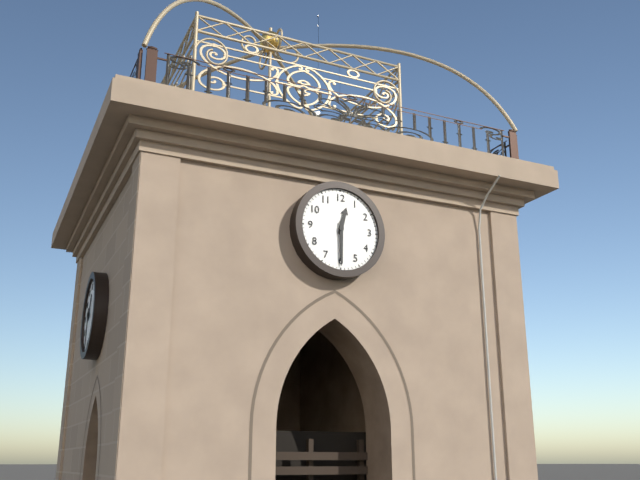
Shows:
12,30
